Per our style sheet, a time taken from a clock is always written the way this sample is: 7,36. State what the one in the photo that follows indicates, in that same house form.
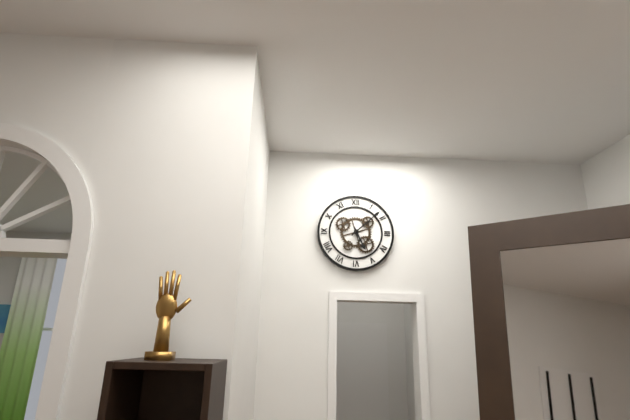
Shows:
5,08
